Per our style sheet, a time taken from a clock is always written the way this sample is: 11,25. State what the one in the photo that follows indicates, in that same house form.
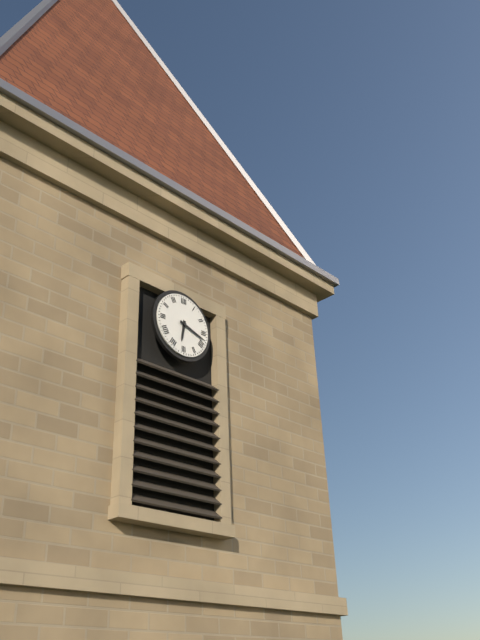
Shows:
6,18
